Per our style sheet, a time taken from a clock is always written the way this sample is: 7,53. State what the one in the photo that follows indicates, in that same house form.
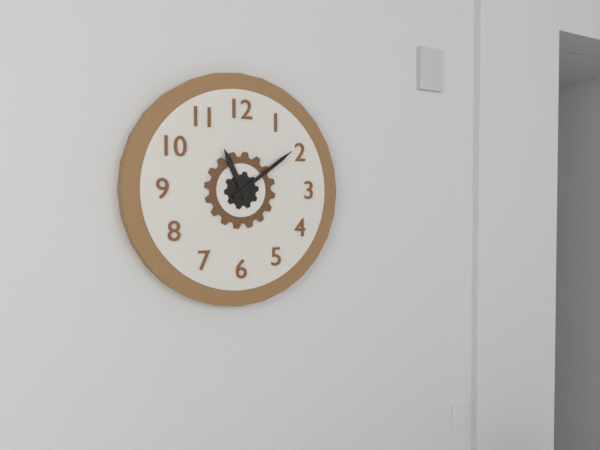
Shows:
11,09
